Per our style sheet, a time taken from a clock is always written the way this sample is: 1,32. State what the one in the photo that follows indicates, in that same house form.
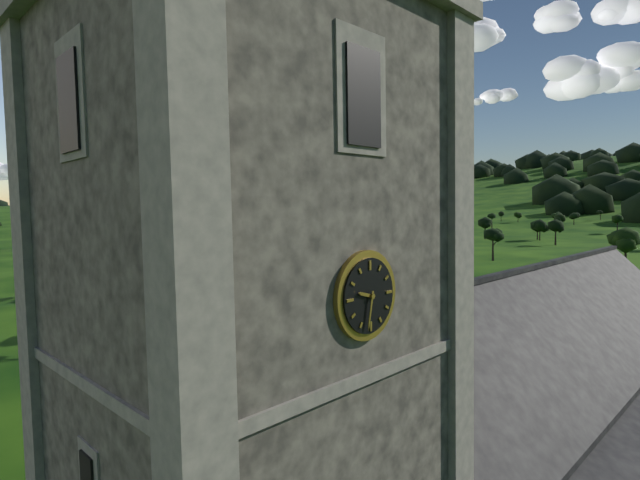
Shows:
9,32
